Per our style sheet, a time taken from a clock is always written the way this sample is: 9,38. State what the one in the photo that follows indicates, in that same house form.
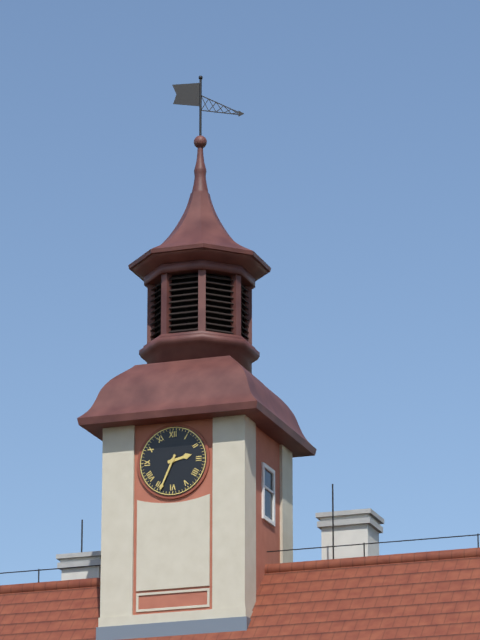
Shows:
2,34
